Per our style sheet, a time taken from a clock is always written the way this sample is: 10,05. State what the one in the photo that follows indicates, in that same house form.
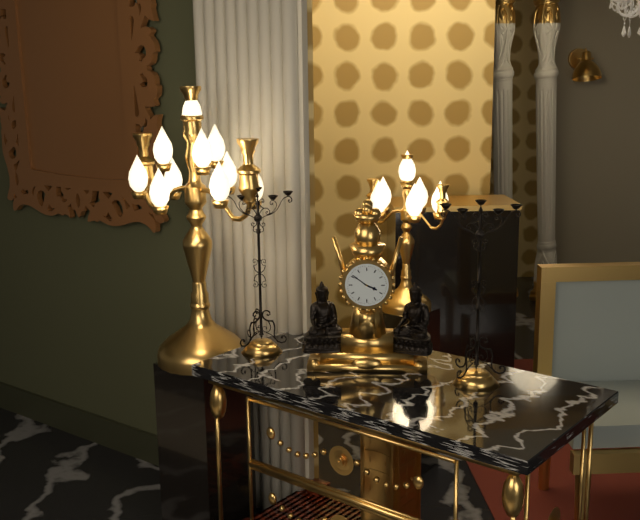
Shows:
3,51
